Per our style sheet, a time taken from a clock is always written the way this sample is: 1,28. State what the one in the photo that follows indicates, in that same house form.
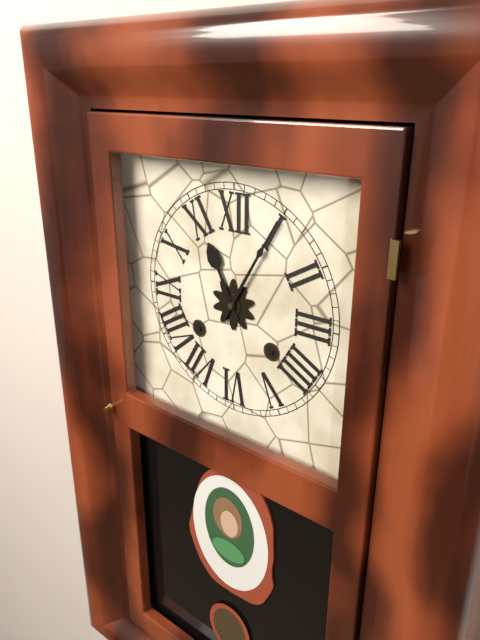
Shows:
11,05
